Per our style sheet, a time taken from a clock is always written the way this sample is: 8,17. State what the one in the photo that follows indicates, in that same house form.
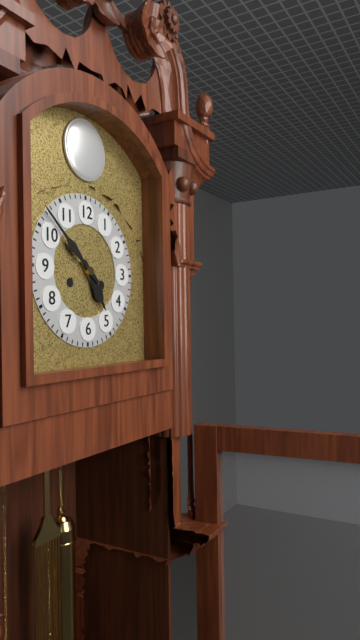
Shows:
4,52
